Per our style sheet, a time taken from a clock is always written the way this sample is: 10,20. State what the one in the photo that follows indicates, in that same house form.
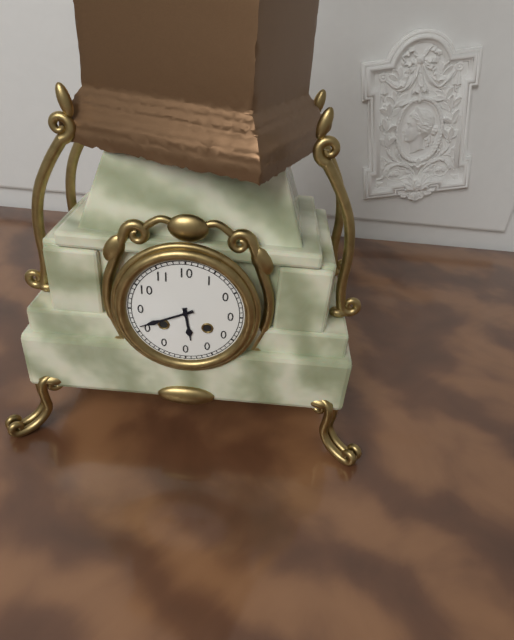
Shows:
5,41
